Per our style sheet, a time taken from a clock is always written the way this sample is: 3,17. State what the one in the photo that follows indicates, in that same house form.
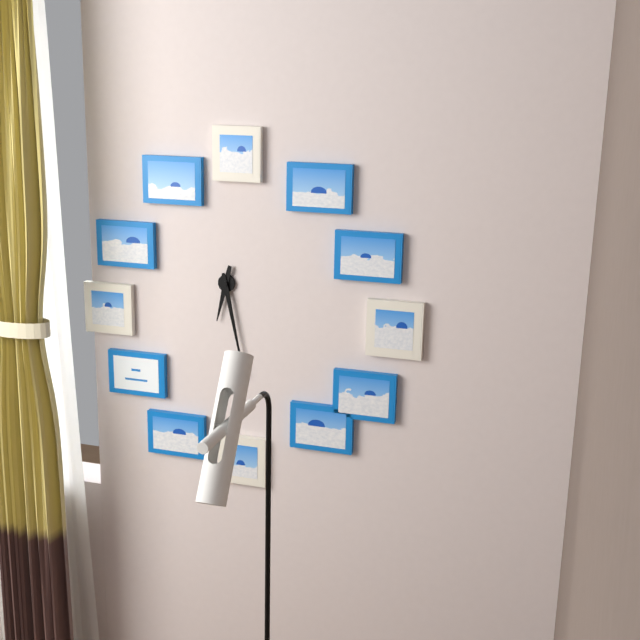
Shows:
6,28
